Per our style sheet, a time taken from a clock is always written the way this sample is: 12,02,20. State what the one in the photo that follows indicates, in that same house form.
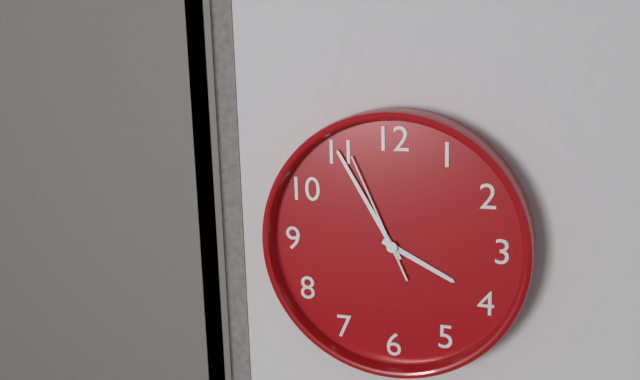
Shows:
3,55,56
